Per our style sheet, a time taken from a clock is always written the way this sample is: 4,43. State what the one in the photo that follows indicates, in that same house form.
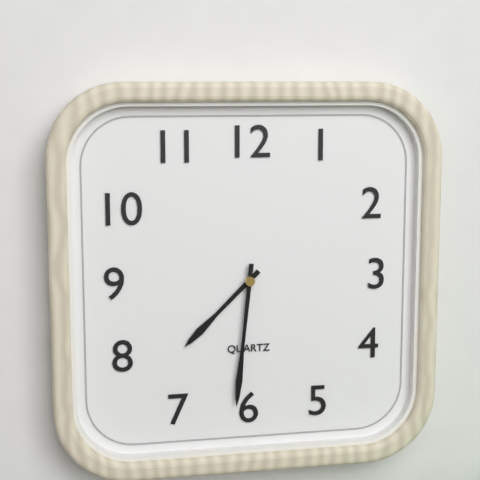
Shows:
7,31
